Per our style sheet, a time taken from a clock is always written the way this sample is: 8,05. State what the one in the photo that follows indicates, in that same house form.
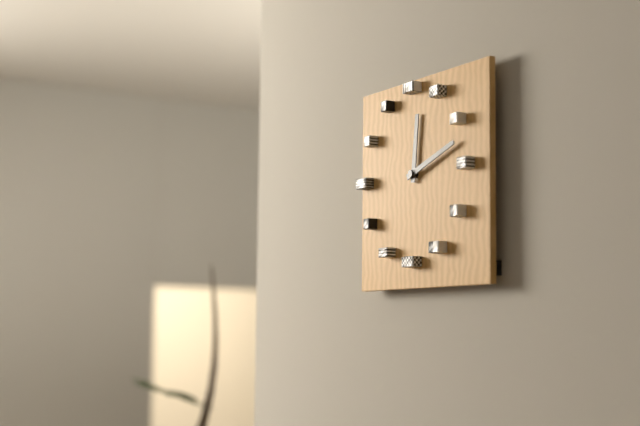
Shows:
12,12
